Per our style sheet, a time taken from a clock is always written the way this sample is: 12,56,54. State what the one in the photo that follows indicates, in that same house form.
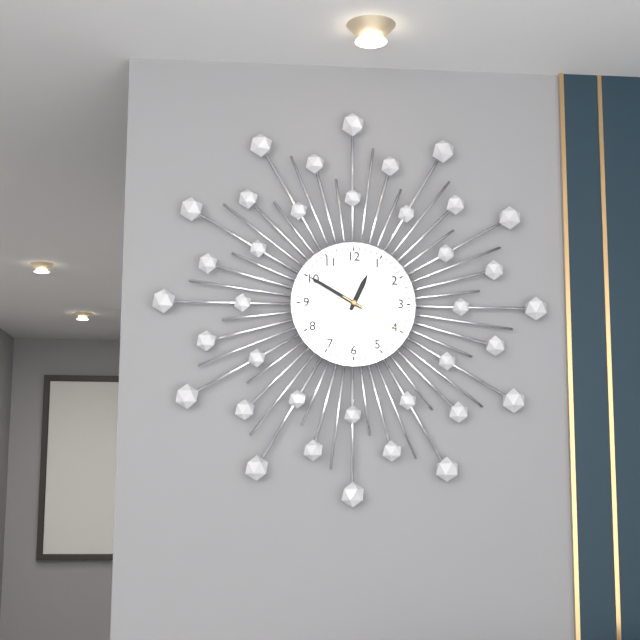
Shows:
12,50,20
